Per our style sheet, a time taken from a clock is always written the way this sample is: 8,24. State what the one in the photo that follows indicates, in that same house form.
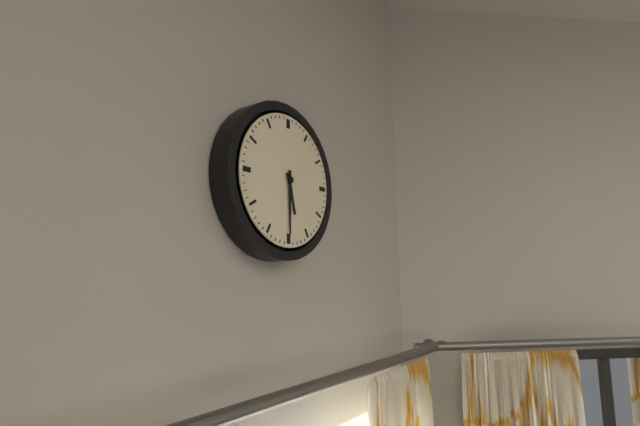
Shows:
5,30
